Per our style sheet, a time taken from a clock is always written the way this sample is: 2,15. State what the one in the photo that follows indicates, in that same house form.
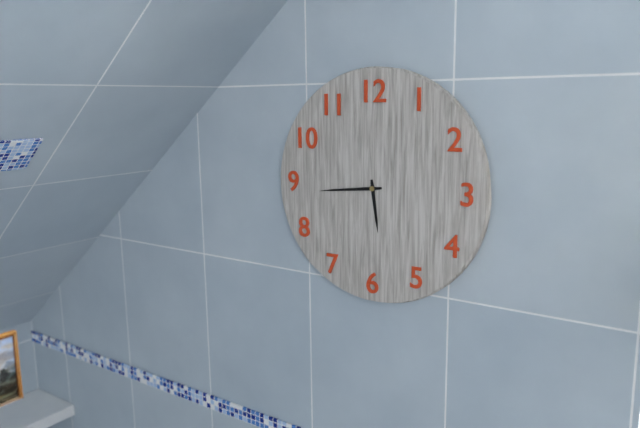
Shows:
5,44
